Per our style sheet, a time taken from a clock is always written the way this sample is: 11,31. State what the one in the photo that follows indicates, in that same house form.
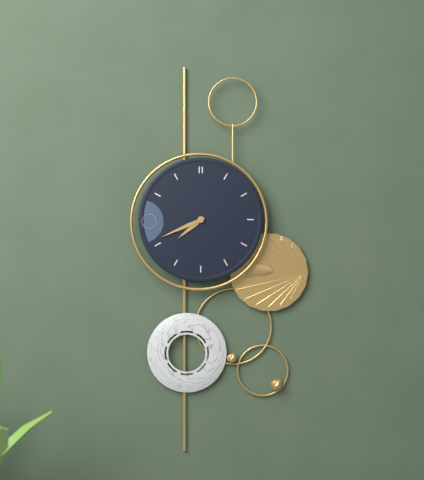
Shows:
7,41
